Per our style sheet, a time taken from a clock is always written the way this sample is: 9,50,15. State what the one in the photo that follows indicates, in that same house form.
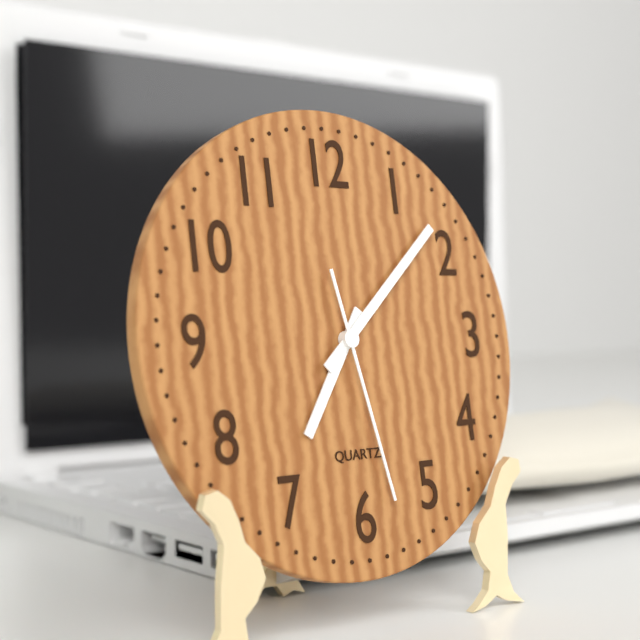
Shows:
7,08,28
